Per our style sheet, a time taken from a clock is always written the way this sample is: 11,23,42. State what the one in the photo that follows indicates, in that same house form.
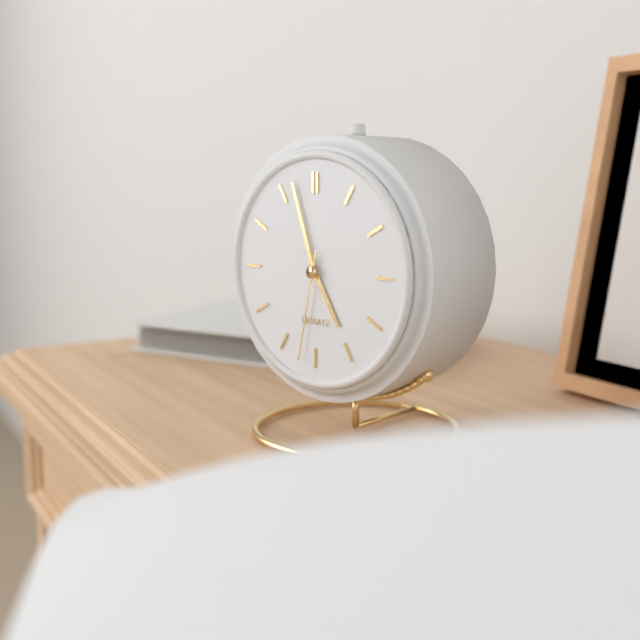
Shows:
4,57,32
